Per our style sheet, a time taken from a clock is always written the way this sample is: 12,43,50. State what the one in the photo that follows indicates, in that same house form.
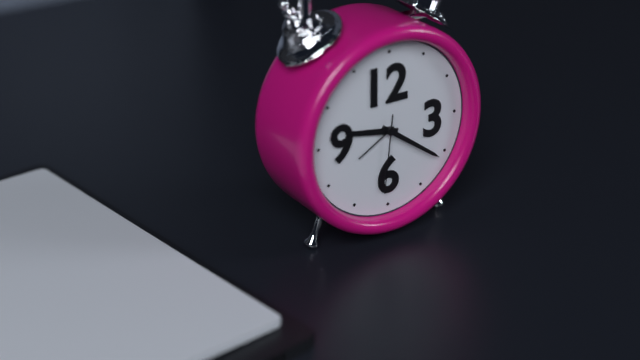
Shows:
9,21,31
